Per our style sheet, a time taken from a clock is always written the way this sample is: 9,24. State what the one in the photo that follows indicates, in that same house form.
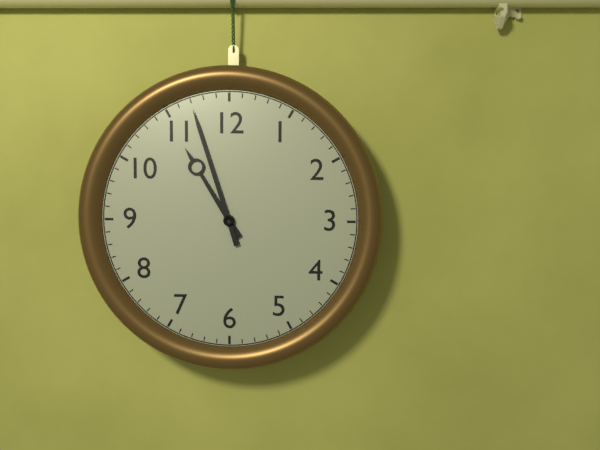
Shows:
10,57
